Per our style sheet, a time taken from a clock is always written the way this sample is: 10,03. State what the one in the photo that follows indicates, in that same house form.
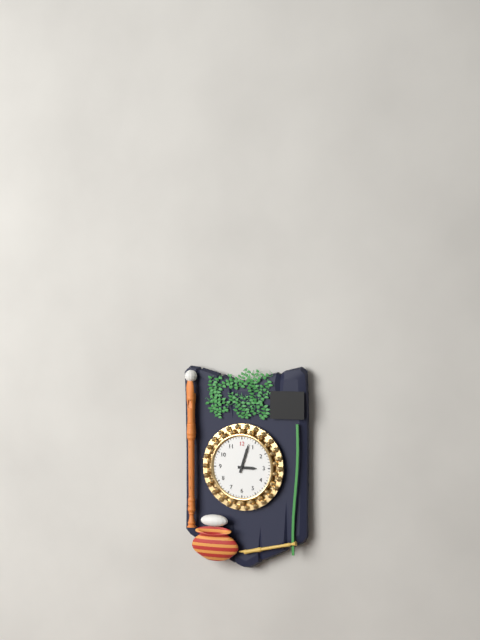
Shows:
3,03
